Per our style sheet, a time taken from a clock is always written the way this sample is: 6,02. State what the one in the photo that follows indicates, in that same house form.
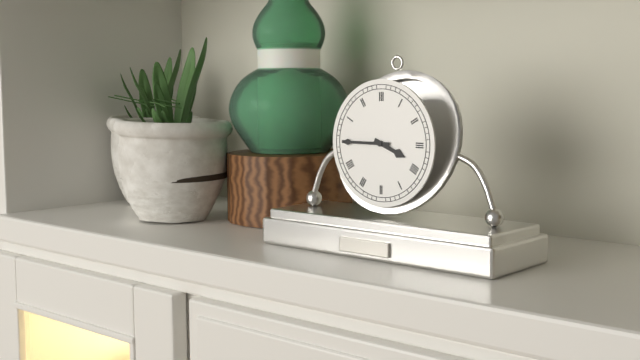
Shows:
3,45
